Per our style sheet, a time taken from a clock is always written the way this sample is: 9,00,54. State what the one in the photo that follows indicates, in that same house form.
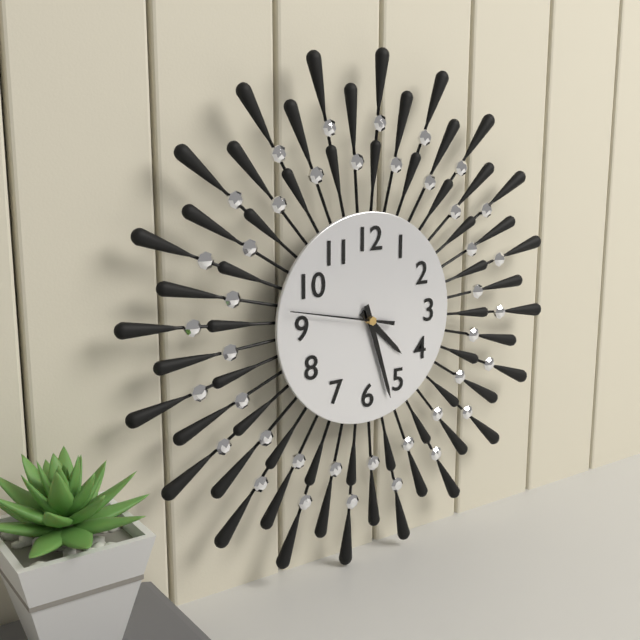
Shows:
4,27,47
